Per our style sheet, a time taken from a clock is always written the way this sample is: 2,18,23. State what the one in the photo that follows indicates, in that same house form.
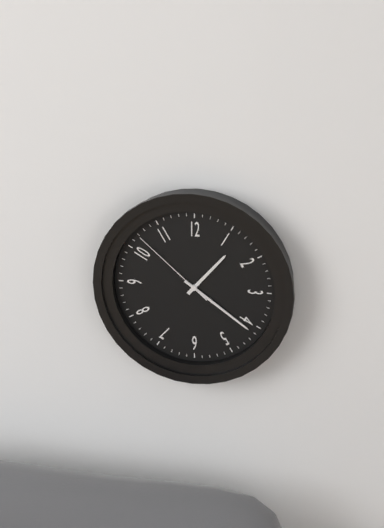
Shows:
1,21,52
